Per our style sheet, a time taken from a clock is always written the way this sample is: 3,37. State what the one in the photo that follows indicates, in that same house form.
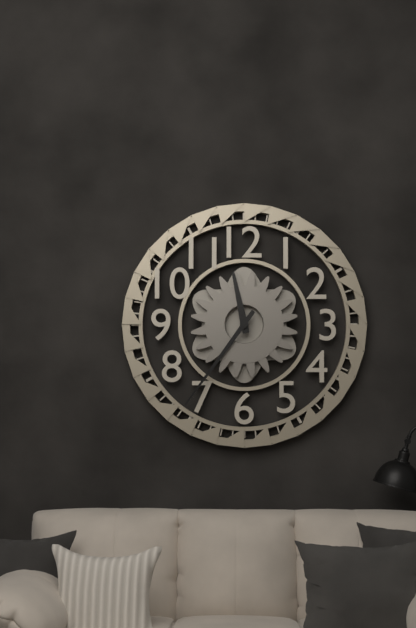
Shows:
11,36
